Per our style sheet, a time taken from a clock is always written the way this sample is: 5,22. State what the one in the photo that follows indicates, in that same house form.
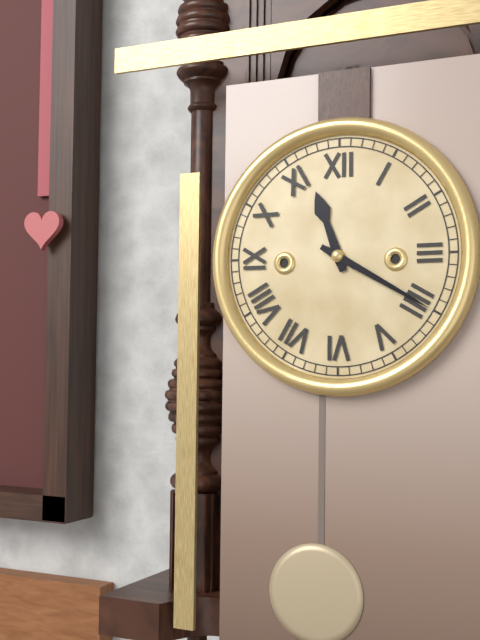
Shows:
11,20
